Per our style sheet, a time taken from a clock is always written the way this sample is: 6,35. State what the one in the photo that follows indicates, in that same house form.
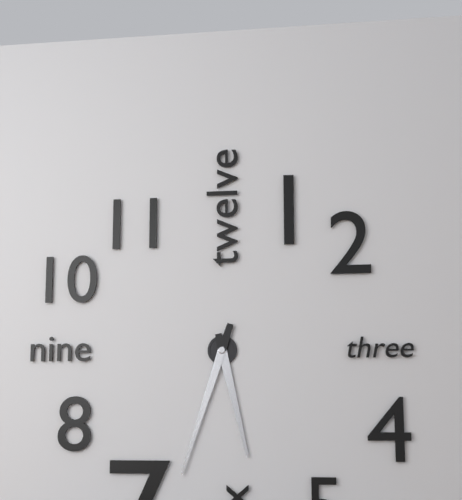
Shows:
5,33
